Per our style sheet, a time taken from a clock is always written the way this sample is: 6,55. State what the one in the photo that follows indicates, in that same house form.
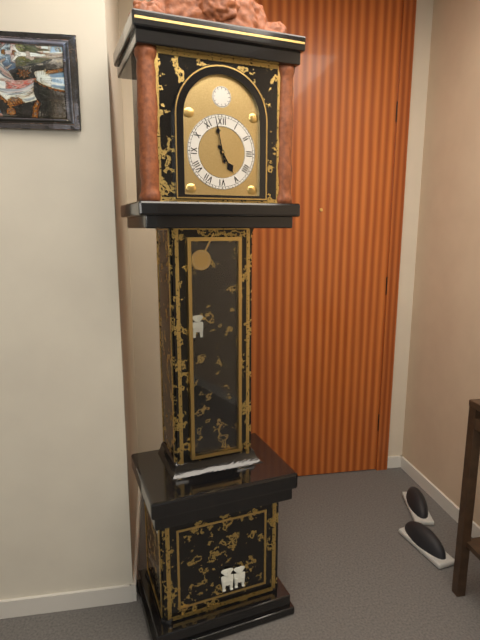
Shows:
4,58
